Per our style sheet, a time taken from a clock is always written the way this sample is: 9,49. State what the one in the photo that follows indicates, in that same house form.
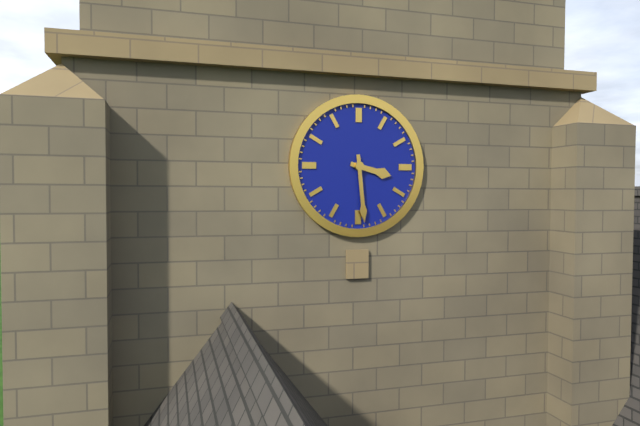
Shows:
3,29
